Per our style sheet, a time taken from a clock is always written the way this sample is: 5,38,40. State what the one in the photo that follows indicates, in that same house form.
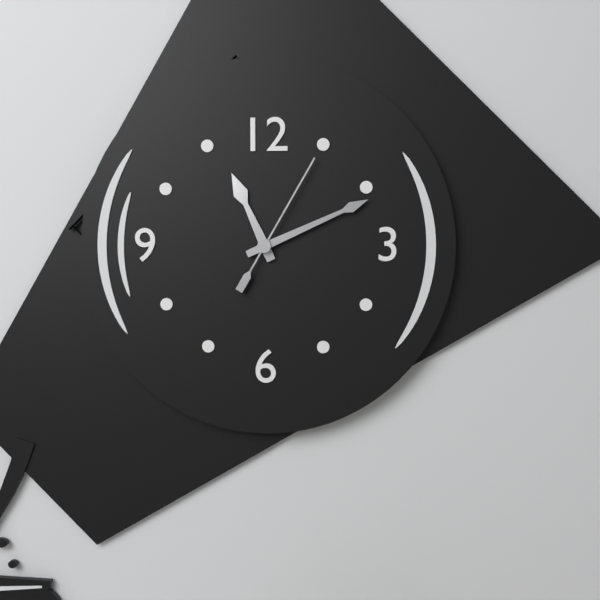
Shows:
11,11,05
